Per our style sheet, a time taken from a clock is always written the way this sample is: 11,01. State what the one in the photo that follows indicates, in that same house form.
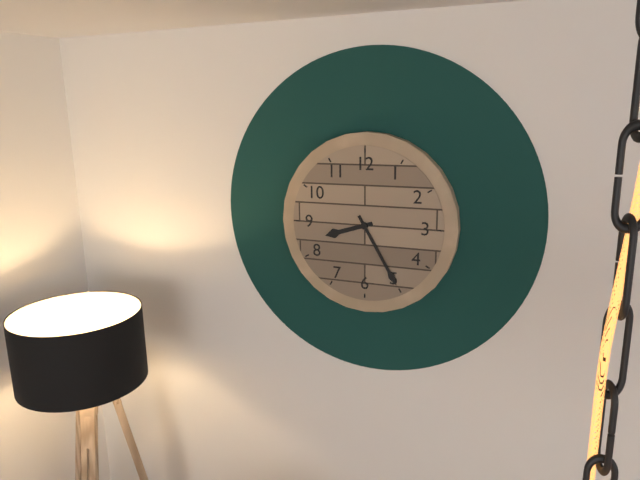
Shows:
8,25
